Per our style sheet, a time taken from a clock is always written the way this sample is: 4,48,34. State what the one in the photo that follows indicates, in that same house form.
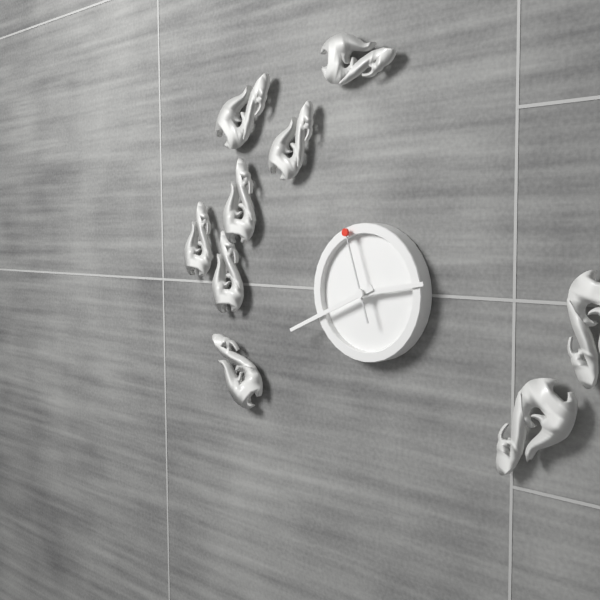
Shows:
2,41,57
